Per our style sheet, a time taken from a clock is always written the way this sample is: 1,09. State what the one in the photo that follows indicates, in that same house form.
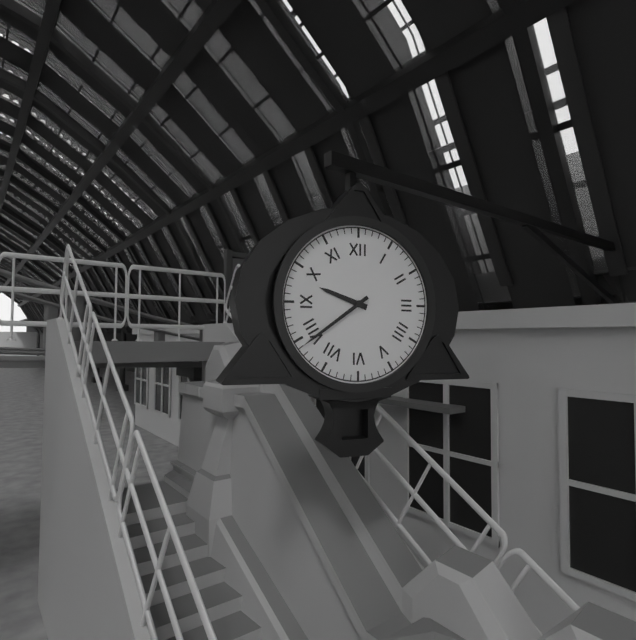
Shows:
9,39
